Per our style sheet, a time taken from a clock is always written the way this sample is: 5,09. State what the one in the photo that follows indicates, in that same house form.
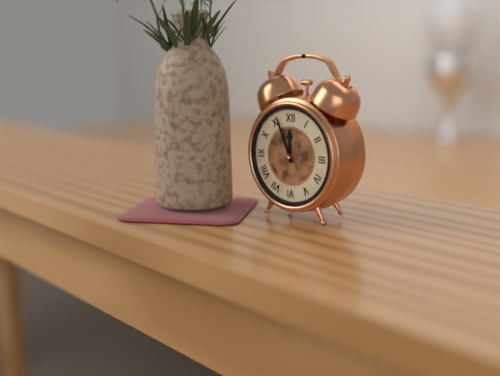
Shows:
11,56
